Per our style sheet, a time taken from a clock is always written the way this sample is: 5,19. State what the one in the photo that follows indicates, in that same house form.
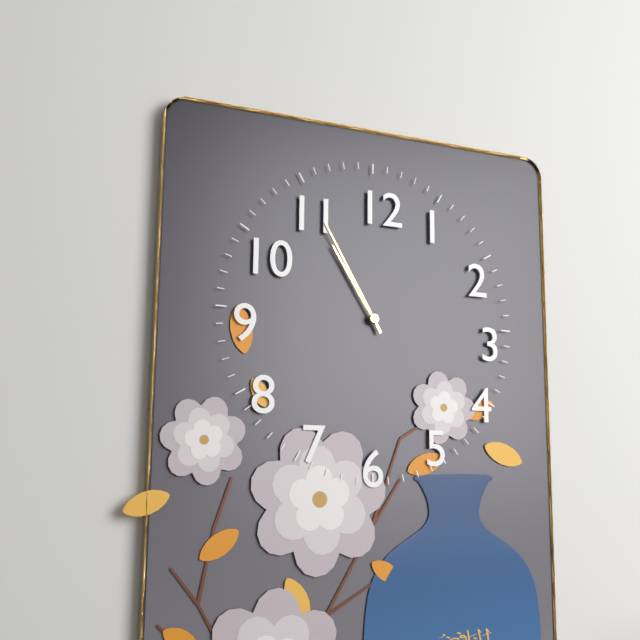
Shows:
10,55
